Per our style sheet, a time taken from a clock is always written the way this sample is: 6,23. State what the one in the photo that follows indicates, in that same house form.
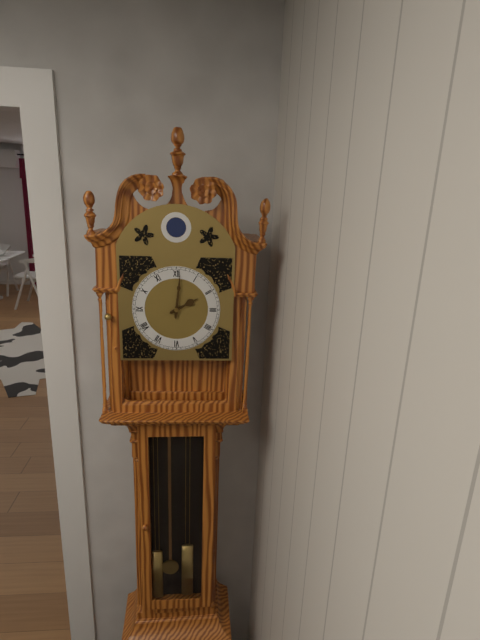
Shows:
2,01
